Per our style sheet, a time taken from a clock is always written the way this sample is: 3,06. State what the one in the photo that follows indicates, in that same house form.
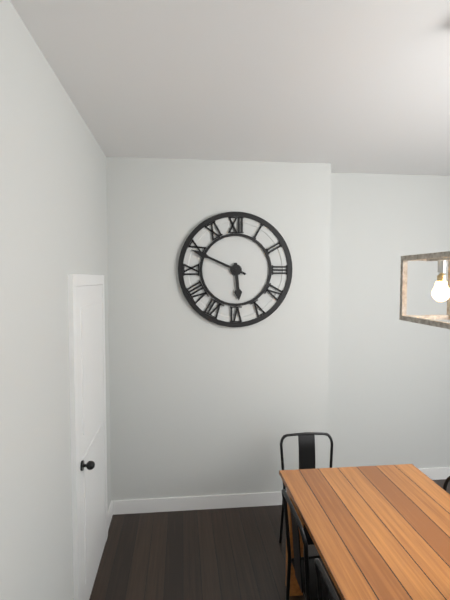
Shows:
5,49
